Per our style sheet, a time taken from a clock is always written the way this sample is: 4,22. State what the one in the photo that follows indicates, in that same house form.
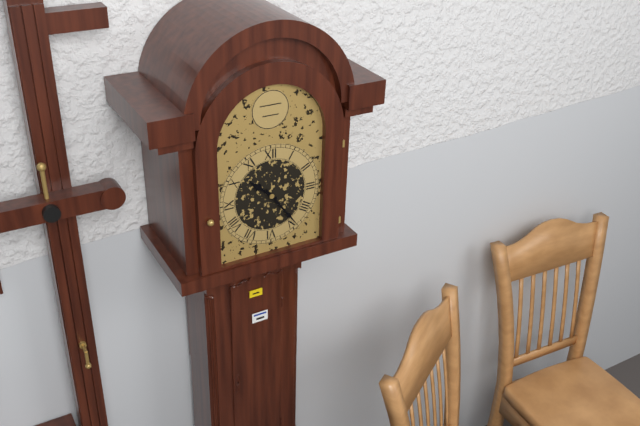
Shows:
10,24
